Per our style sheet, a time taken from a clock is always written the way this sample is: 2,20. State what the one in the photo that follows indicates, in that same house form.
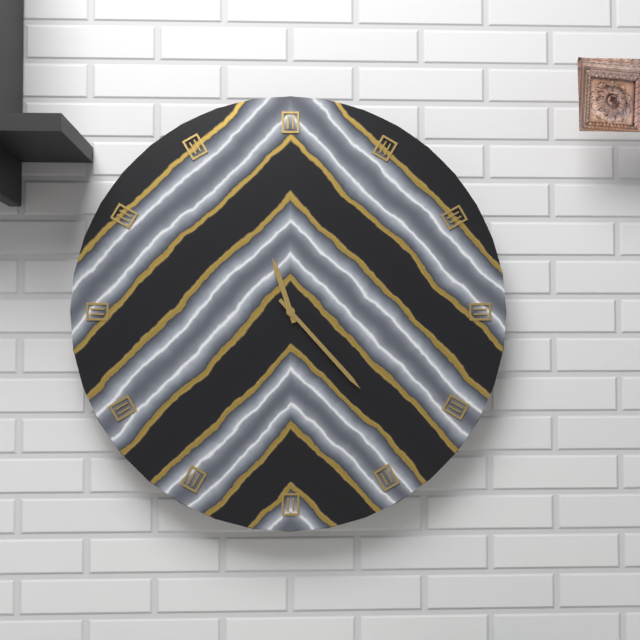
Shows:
11,23
